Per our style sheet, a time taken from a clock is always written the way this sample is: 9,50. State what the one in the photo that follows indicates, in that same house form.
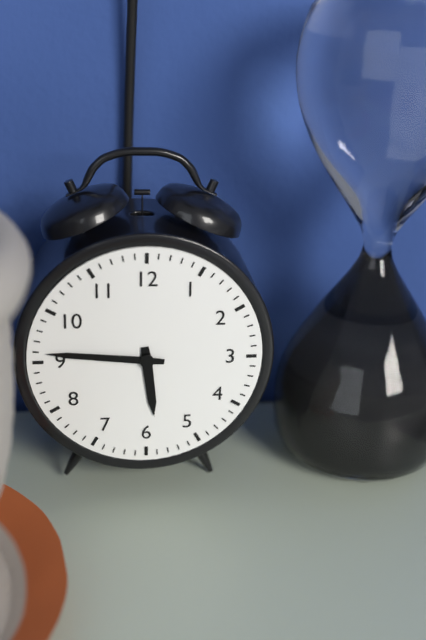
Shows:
5,46
